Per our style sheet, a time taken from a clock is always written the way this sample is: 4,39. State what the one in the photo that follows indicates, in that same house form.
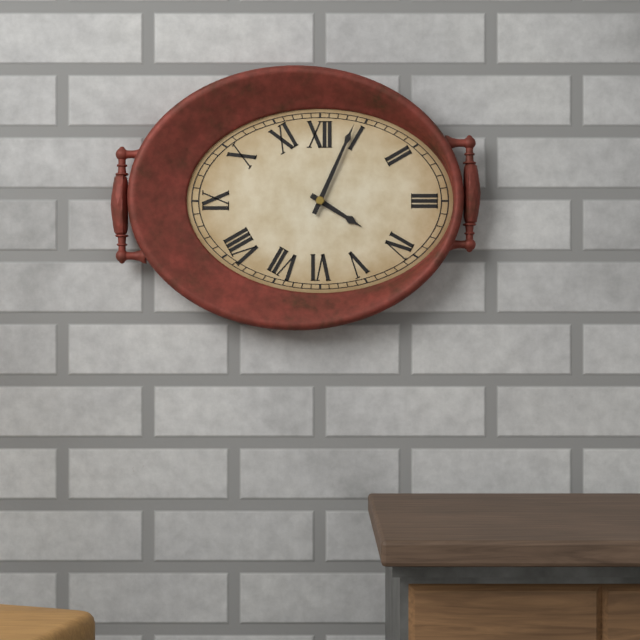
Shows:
4,04
